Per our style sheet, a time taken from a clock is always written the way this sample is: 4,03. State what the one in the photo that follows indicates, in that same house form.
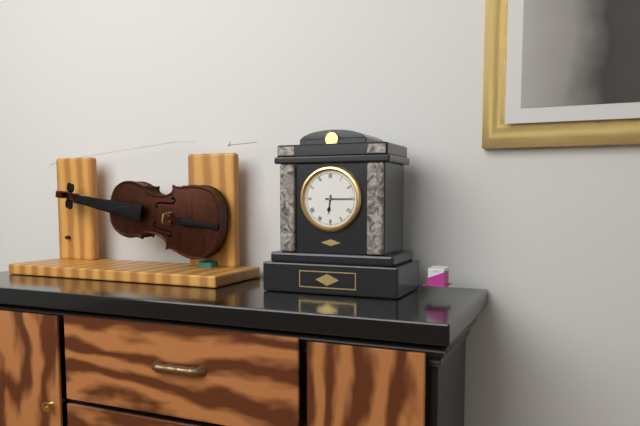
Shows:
6,15
